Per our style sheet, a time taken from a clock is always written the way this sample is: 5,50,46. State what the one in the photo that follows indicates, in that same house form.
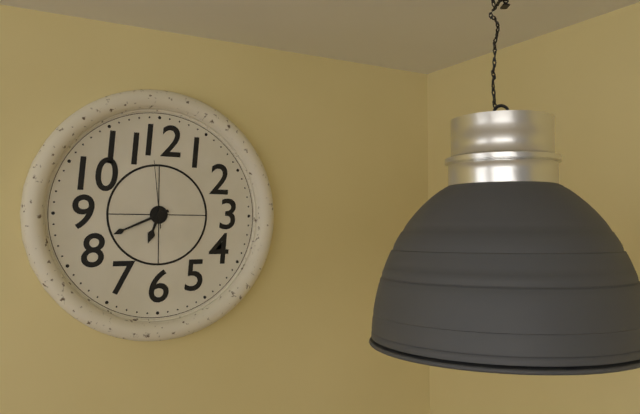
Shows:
6,41,59
